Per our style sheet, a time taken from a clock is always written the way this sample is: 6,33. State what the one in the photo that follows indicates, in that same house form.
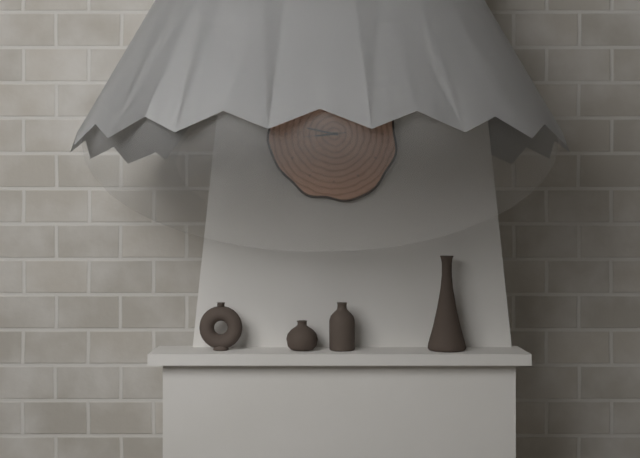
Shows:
8,47
